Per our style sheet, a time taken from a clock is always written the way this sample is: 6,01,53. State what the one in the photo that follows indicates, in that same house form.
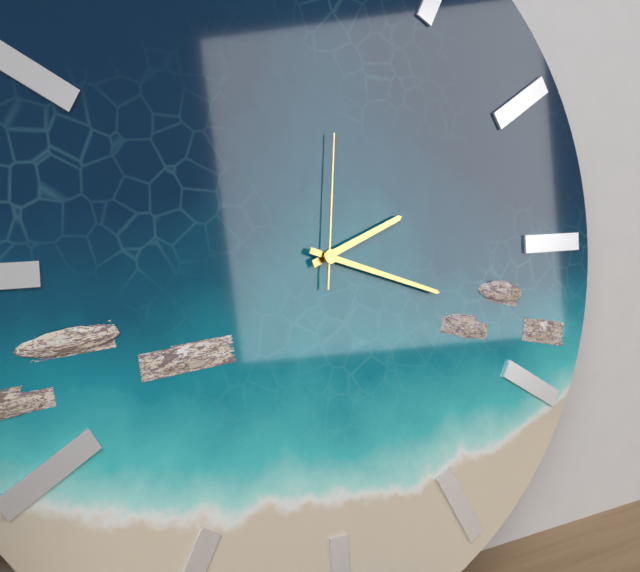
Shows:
2,18,01
